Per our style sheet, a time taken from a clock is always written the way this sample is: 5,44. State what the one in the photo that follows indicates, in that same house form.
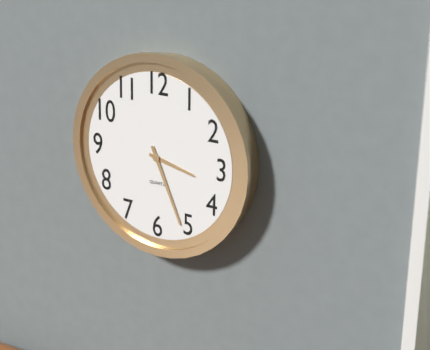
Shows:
3,26
